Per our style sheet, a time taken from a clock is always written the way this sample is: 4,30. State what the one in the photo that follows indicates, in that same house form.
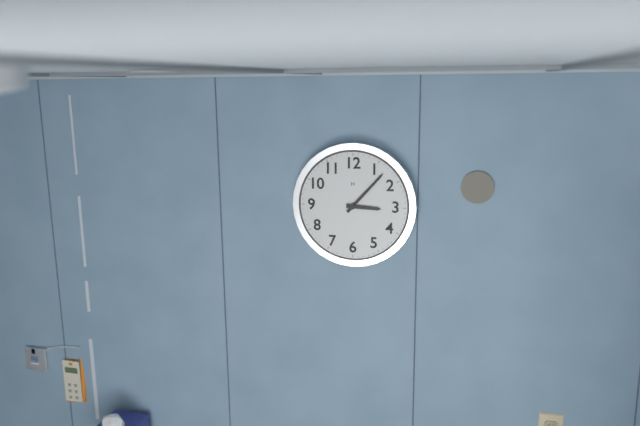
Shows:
3,07
